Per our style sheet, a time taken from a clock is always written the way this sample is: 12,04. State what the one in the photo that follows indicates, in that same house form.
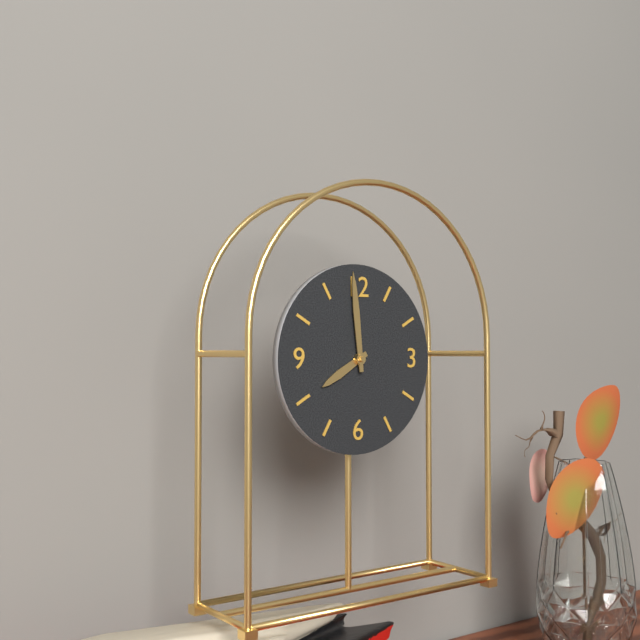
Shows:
7,59
